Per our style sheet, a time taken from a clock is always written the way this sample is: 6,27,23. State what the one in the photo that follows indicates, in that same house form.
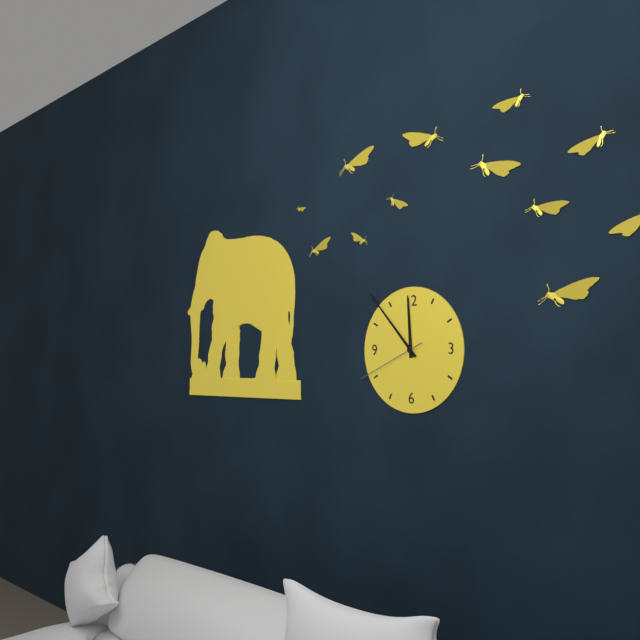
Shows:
11,53,41
